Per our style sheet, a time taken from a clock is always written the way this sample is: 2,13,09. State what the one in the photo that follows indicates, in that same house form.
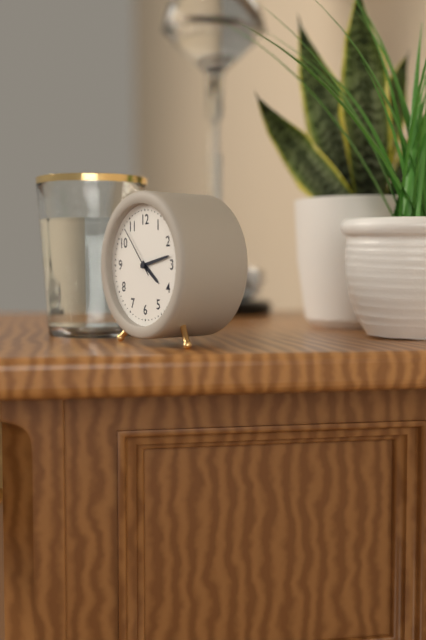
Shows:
4,13,53
